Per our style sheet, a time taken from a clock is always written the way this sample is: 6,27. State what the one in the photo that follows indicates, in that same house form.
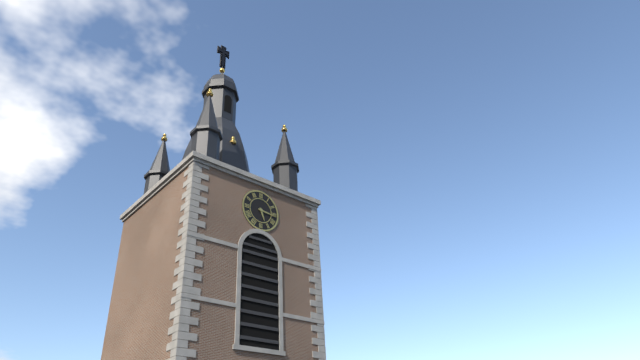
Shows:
5,16
